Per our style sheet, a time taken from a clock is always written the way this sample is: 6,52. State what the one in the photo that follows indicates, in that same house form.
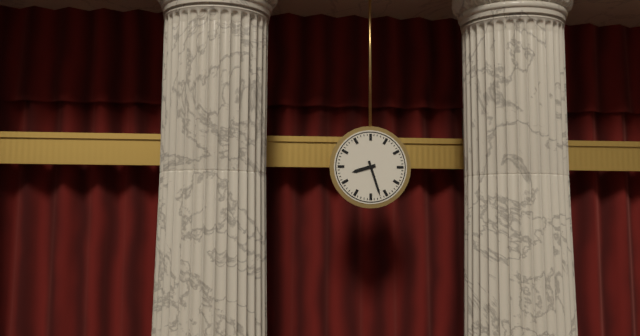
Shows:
8,27
